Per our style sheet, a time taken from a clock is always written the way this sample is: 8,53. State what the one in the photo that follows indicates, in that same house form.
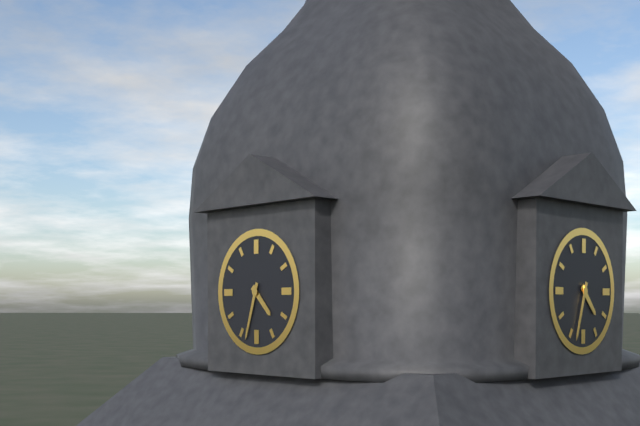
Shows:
4,33
